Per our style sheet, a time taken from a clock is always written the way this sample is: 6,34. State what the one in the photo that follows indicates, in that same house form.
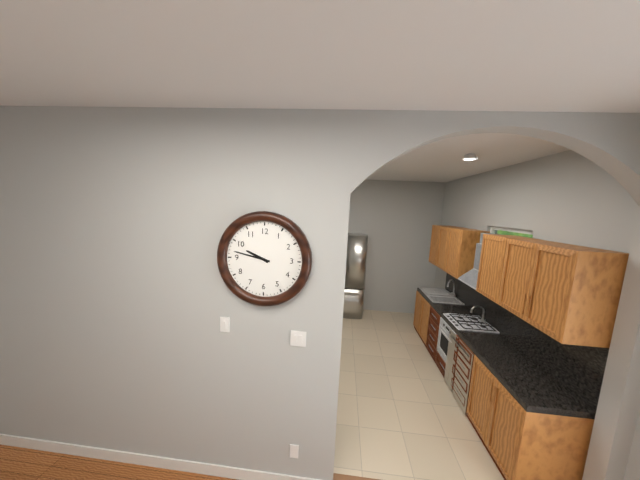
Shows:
9,47
